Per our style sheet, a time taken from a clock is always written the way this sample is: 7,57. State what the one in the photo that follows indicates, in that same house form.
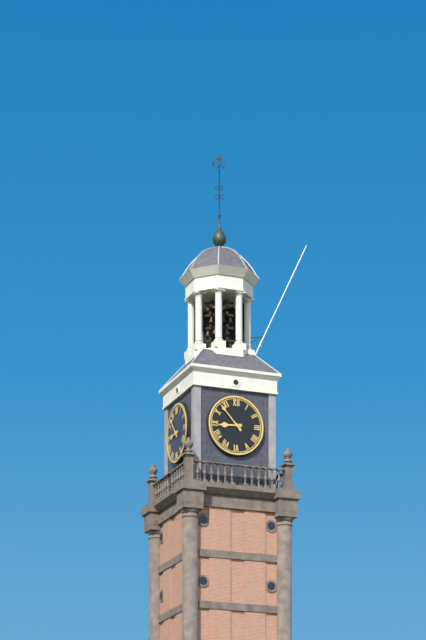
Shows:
8,53
